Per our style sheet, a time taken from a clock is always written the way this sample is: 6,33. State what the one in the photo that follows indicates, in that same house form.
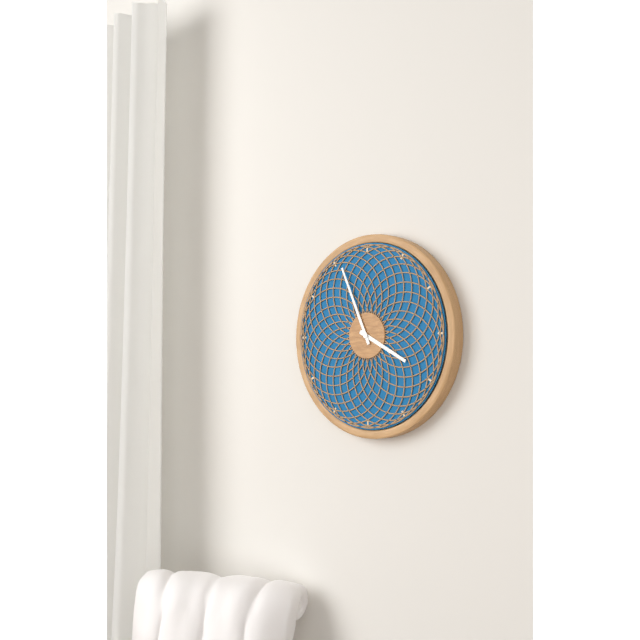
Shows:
3,56
